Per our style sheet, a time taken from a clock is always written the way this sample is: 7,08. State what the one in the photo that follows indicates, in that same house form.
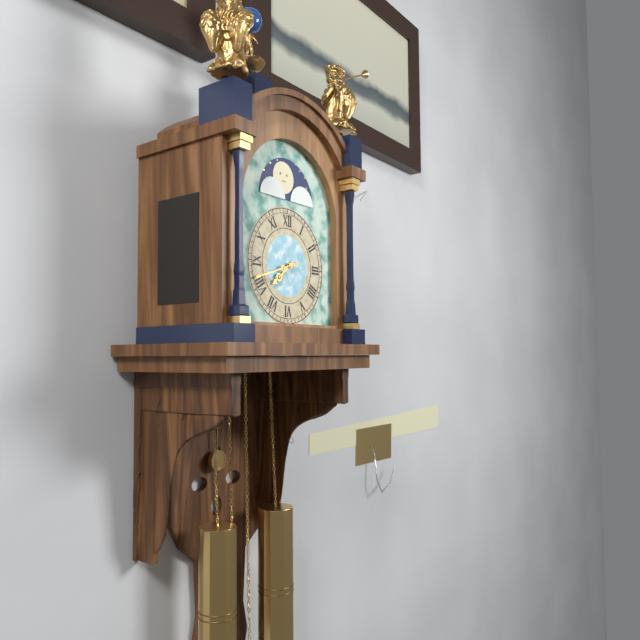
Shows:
7,42
